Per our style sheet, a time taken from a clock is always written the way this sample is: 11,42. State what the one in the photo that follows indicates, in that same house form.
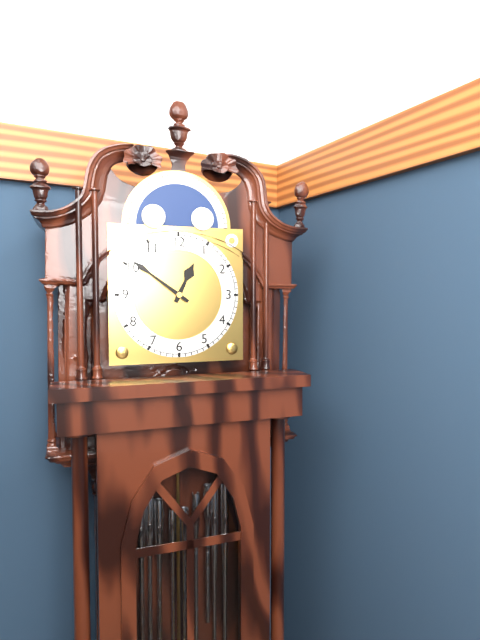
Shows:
12,51
